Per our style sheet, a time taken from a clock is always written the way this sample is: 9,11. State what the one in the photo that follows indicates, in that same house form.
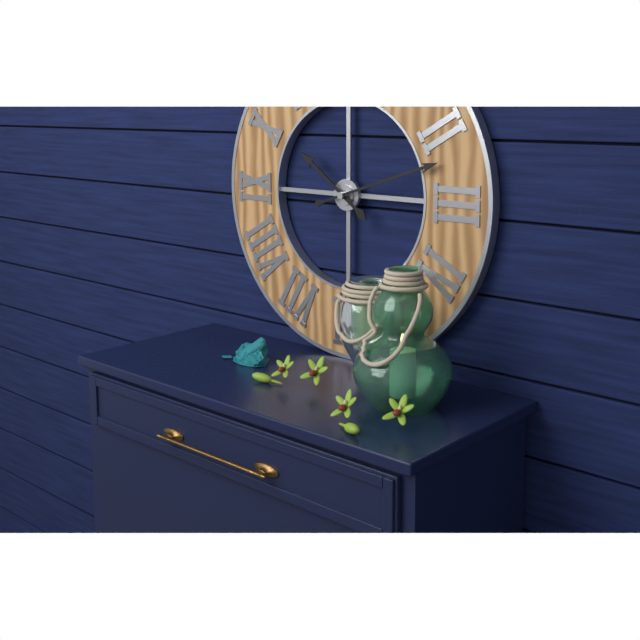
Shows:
10,12
